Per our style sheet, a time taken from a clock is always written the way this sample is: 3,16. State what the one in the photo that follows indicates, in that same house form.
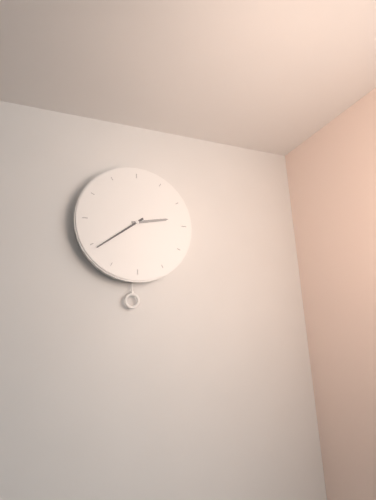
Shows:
2,39
